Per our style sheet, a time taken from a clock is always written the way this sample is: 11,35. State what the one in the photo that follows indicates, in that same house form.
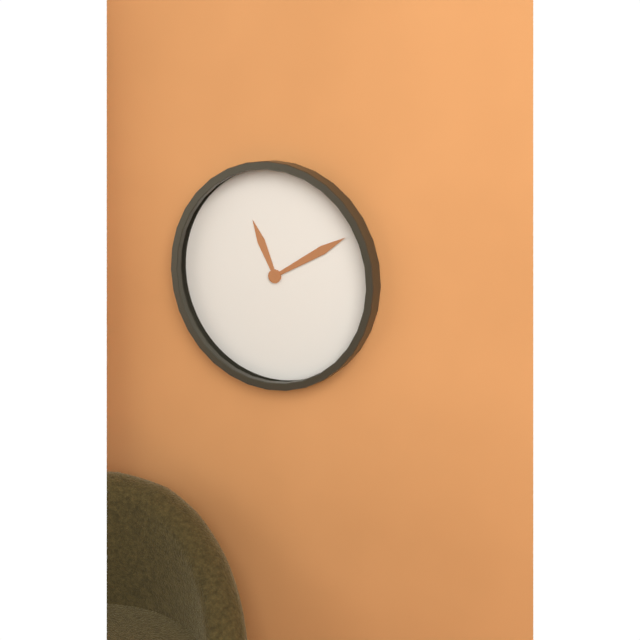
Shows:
11,10
